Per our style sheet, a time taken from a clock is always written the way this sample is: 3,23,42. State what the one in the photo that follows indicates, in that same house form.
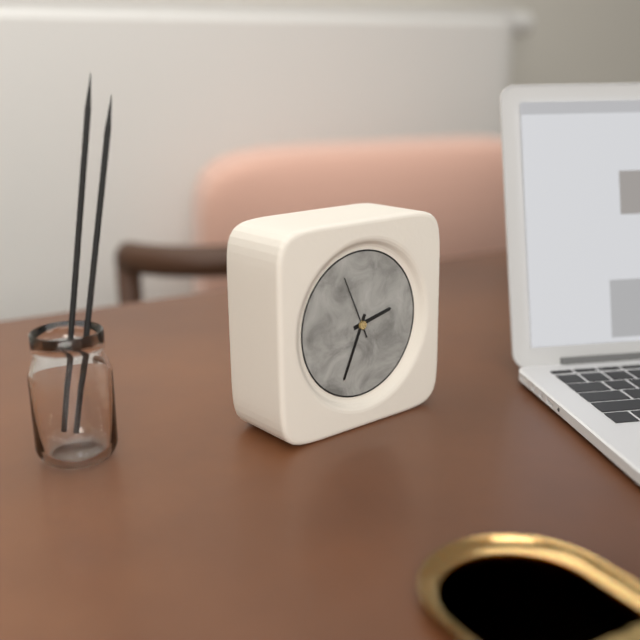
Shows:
2,34,56
